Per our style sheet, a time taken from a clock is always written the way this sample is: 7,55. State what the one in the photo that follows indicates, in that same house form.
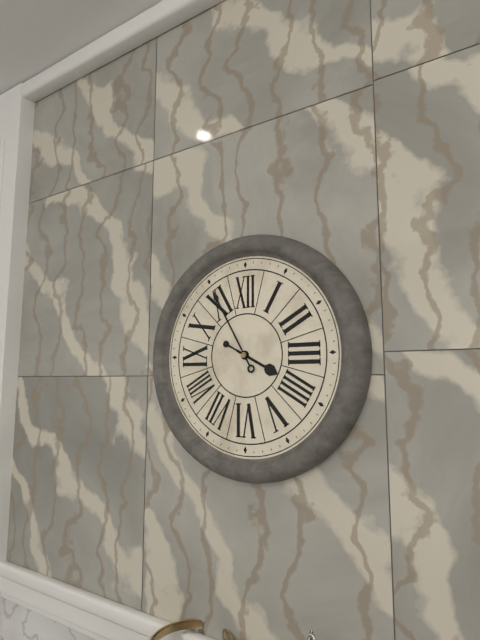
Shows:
3,55
